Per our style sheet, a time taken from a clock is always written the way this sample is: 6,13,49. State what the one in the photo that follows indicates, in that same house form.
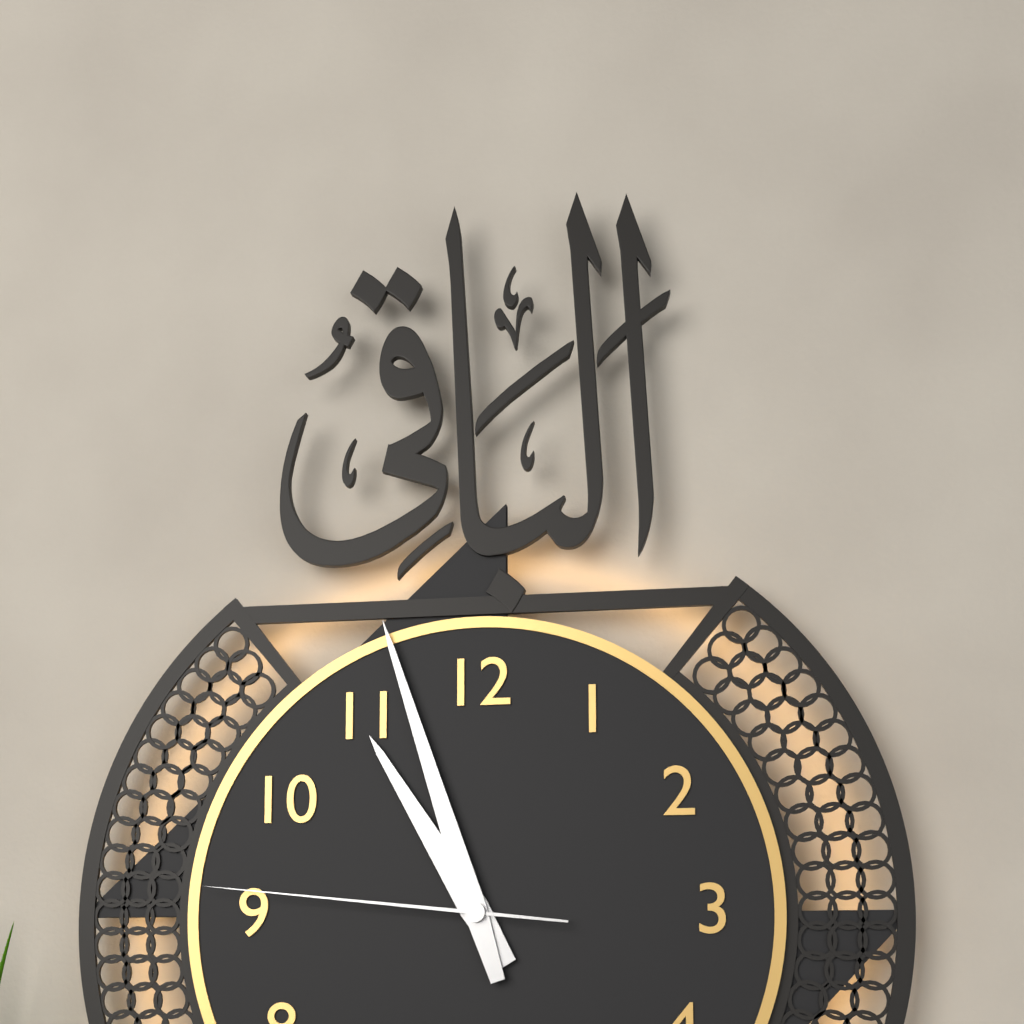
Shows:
10,57,46
